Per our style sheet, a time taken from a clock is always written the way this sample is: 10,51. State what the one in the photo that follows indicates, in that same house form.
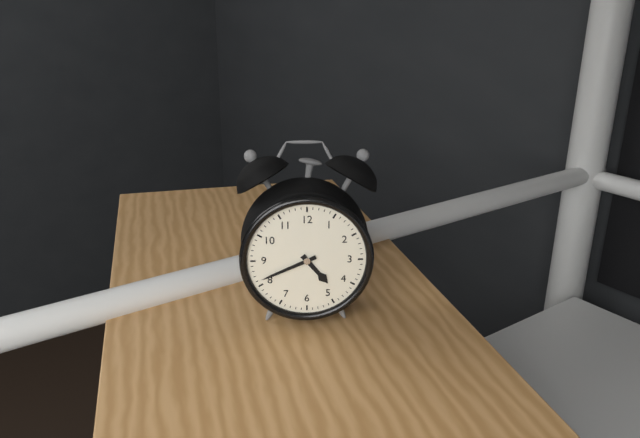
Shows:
4,41
